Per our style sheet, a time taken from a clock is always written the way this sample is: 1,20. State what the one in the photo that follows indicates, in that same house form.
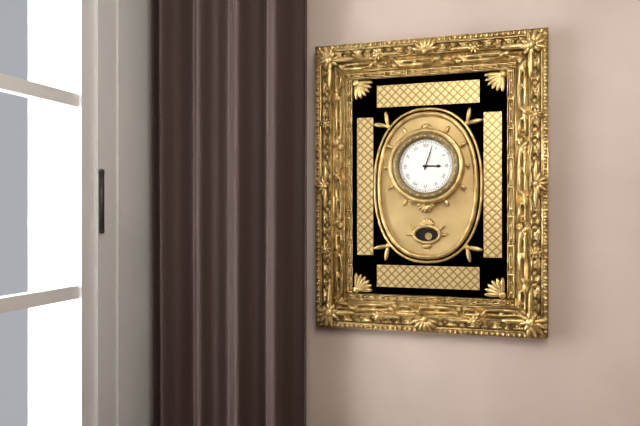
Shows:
3,03
